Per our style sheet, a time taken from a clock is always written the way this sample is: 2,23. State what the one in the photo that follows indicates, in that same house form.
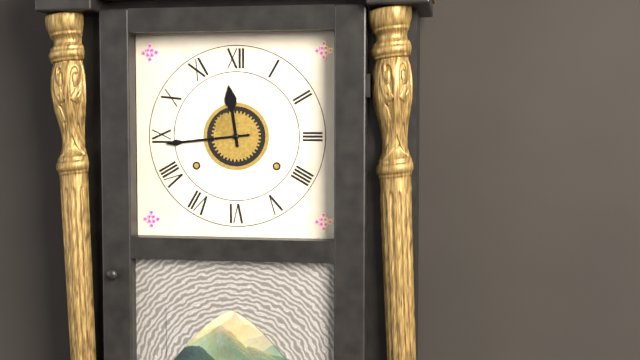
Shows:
11,44
